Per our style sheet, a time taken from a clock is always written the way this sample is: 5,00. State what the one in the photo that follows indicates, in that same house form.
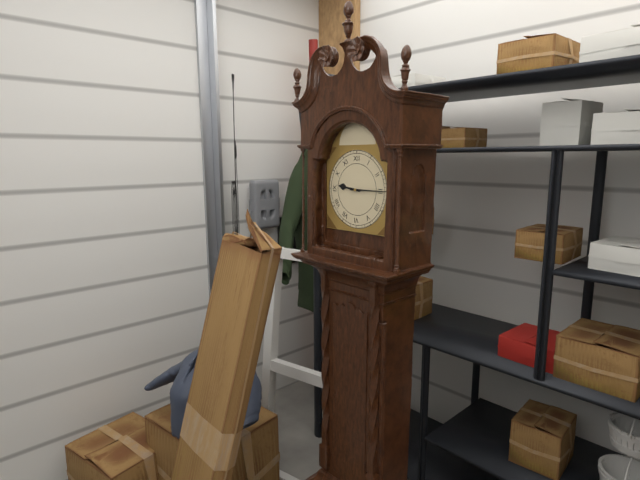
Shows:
9,15
